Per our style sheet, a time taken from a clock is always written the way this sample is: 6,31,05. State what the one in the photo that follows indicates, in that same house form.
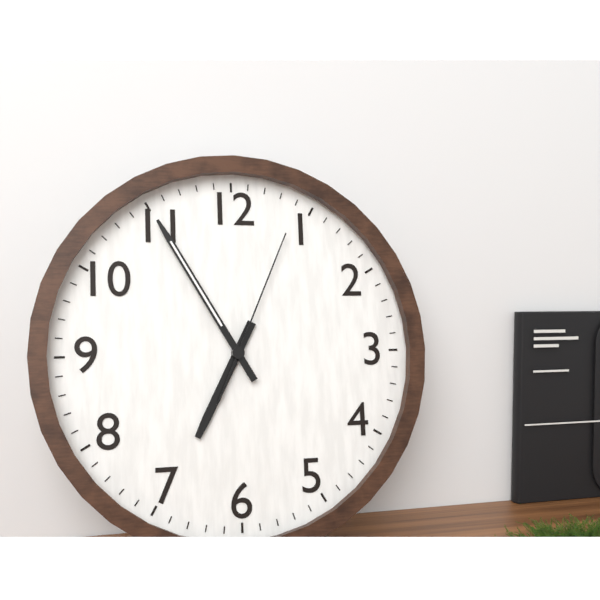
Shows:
6,55,04
